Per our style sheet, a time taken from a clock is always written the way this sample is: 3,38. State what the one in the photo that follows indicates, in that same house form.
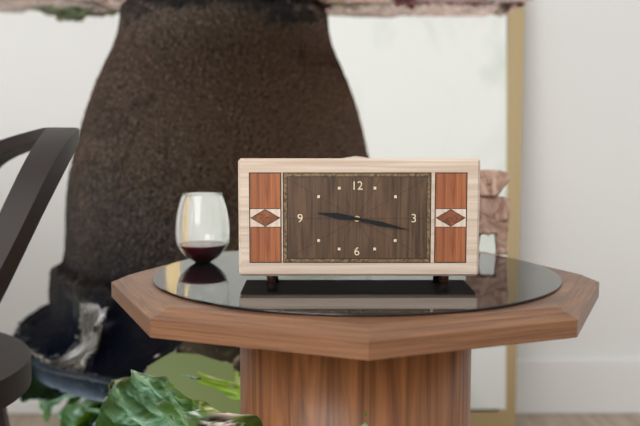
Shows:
9,17
